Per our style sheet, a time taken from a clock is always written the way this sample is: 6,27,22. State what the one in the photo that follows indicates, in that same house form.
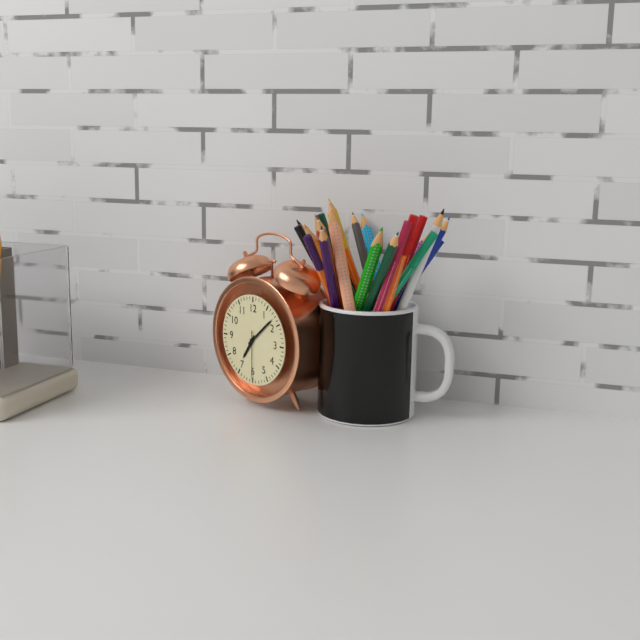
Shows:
7,08,30
